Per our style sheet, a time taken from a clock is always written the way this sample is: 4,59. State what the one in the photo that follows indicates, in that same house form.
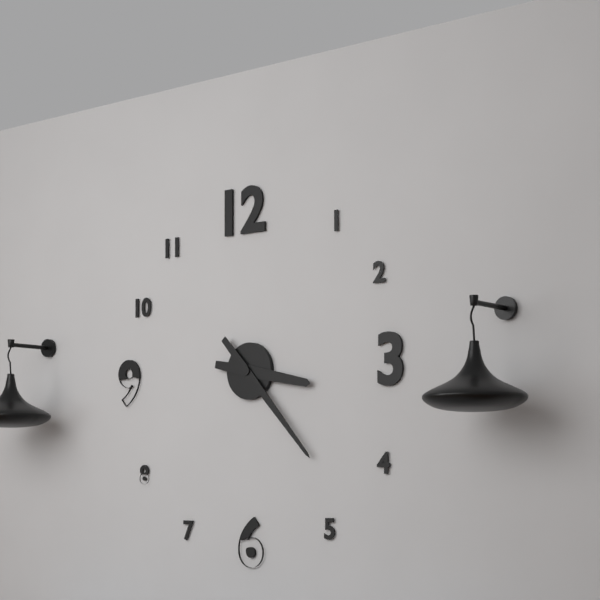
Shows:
3,23
